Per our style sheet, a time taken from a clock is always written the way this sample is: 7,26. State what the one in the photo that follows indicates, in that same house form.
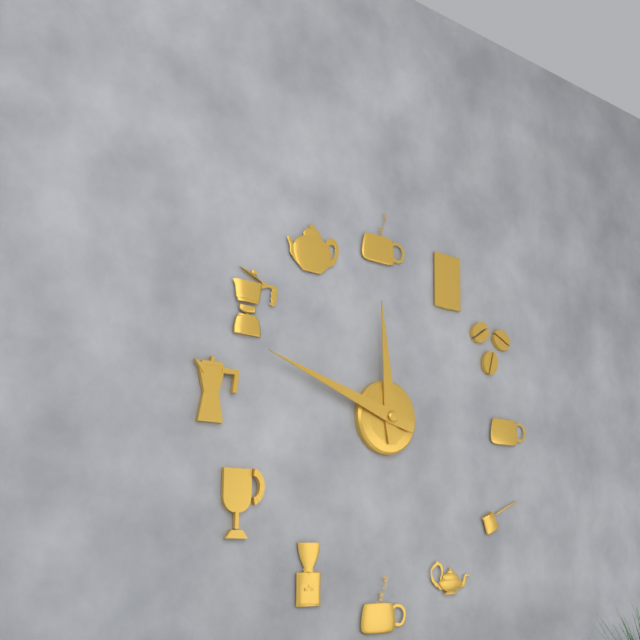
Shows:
11,48
